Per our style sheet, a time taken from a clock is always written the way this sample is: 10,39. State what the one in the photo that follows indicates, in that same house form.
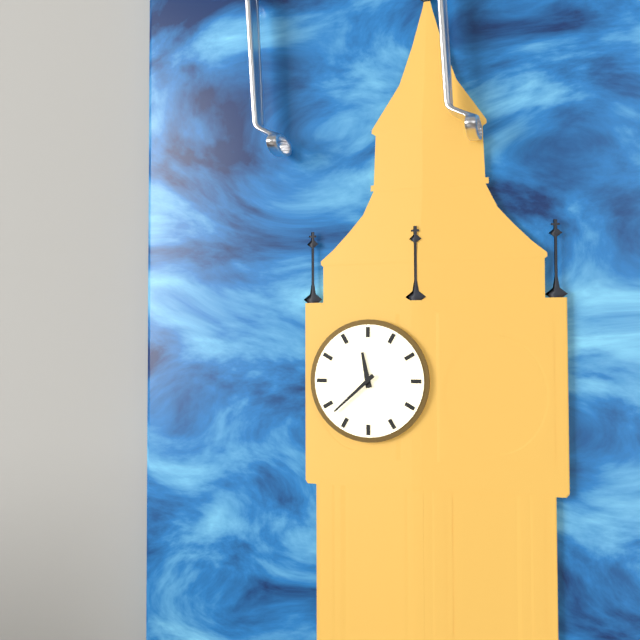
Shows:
11,38
